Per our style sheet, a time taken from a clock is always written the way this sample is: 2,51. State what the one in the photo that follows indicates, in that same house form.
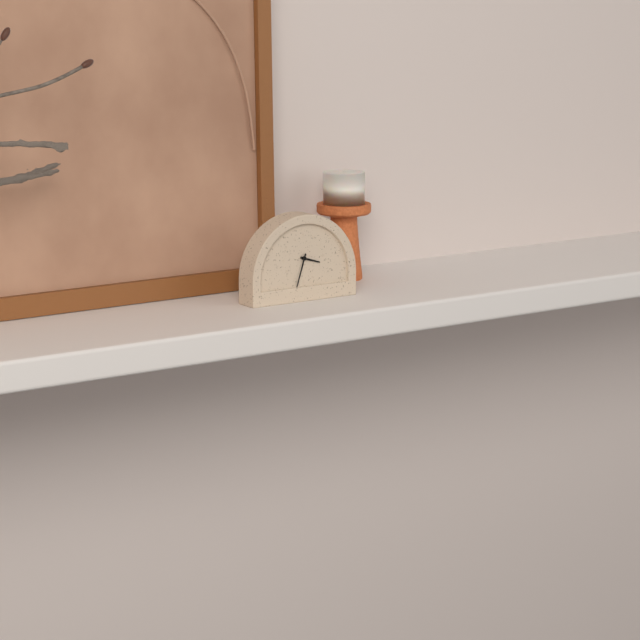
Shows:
3,33
